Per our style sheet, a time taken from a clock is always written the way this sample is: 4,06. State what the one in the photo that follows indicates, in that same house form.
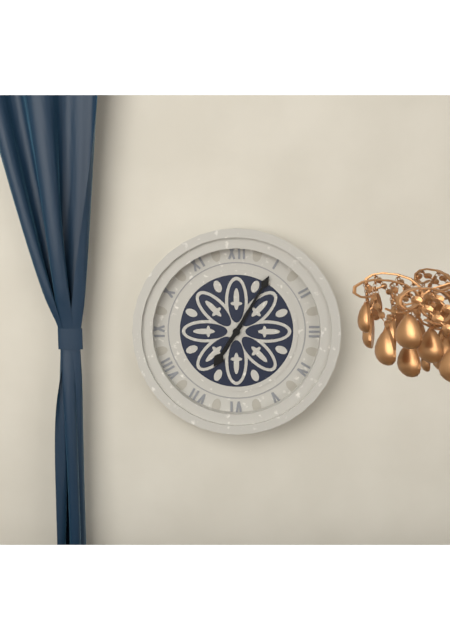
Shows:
7,05
